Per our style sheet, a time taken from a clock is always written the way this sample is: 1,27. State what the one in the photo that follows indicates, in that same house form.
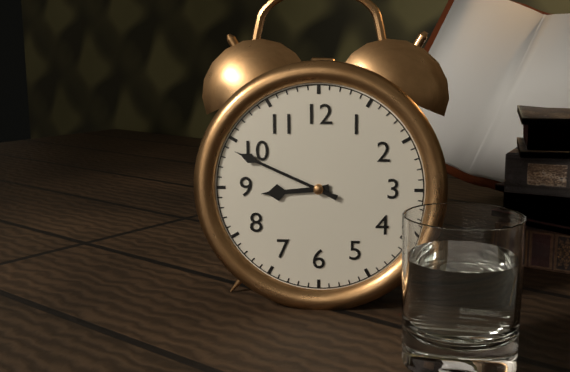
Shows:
8,49
